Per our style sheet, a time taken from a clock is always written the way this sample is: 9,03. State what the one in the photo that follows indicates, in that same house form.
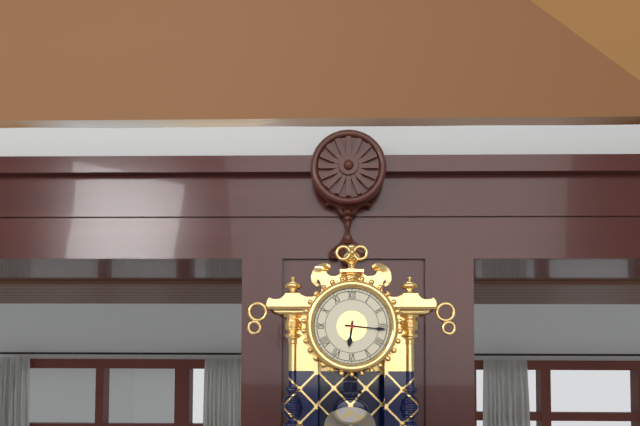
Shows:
6,16
